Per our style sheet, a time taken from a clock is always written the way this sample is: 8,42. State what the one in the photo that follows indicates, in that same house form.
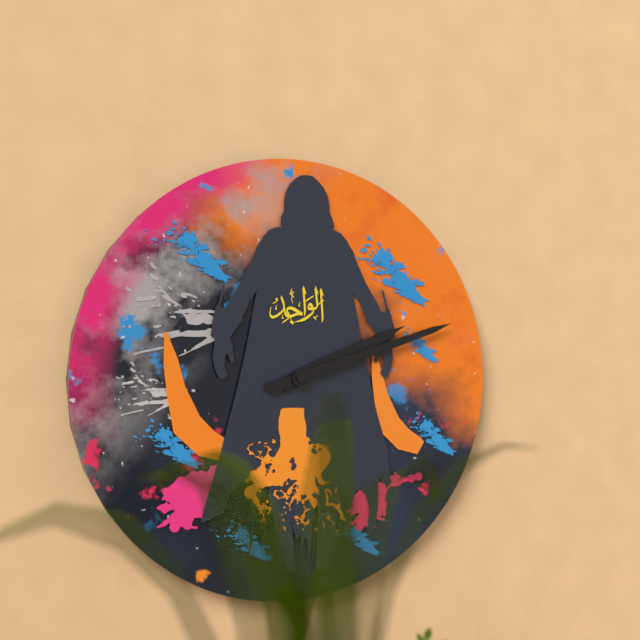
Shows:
2,12
